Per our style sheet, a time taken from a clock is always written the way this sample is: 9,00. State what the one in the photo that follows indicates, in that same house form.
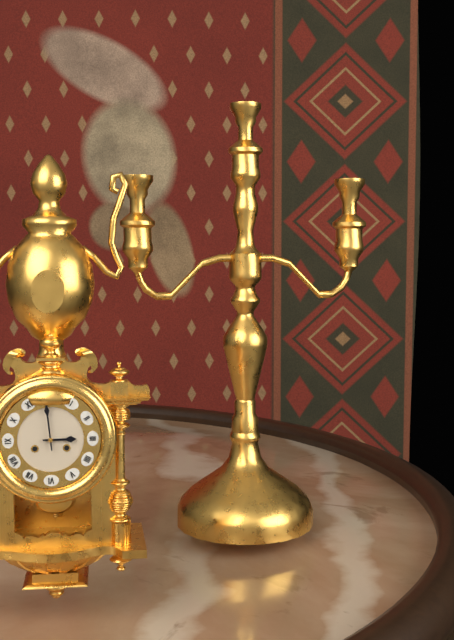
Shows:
2,59
